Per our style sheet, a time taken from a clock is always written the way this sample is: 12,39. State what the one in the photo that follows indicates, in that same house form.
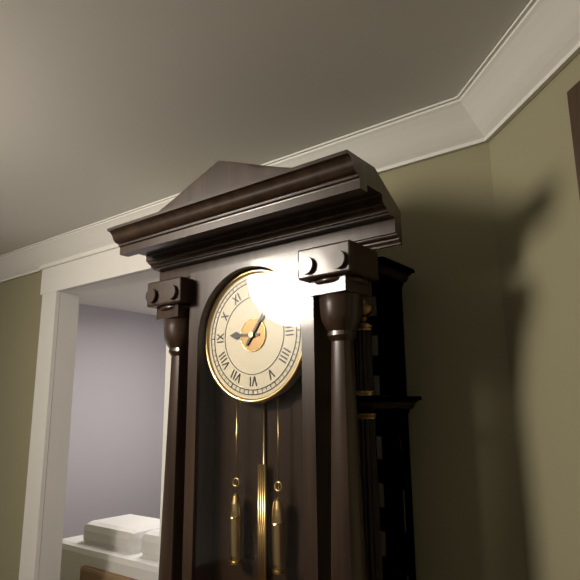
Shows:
9,06
